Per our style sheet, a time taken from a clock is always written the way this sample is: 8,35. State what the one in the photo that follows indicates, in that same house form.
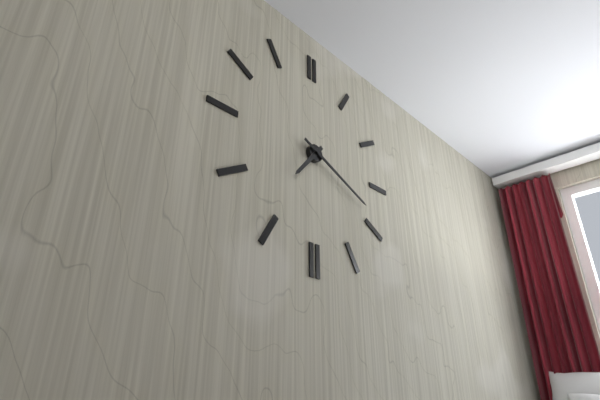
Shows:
7,19
